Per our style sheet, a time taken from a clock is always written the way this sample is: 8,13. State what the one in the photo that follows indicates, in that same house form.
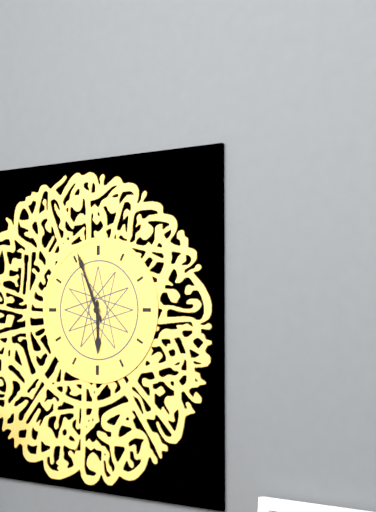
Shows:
5,56
